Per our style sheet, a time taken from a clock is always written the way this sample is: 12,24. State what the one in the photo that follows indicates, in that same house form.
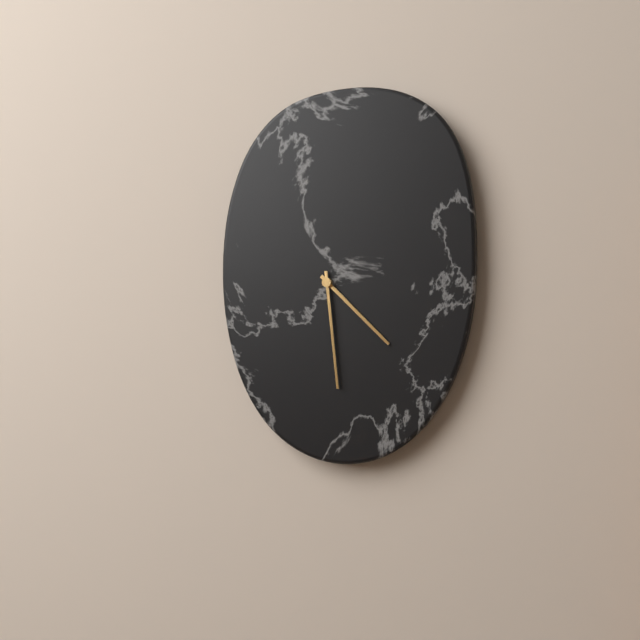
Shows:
4,29
